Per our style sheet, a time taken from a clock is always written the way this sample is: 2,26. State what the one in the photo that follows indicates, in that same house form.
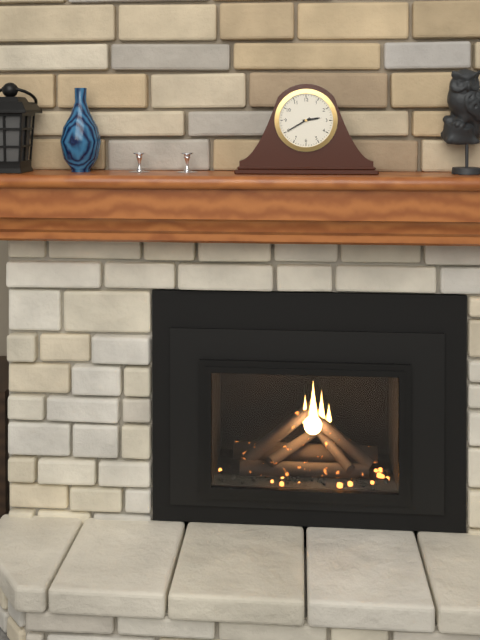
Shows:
2,40
